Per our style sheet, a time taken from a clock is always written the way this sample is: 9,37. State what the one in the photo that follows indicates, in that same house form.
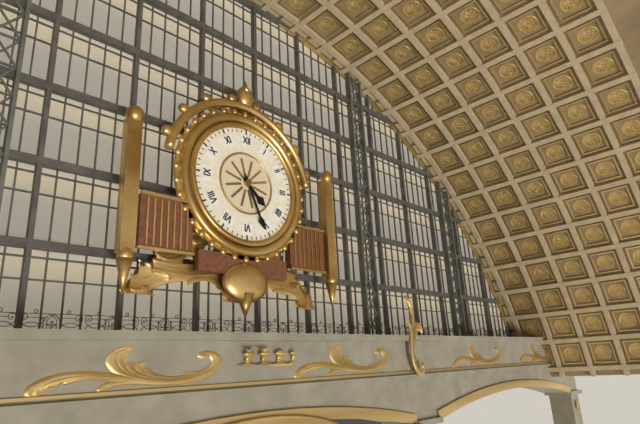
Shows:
4,26
